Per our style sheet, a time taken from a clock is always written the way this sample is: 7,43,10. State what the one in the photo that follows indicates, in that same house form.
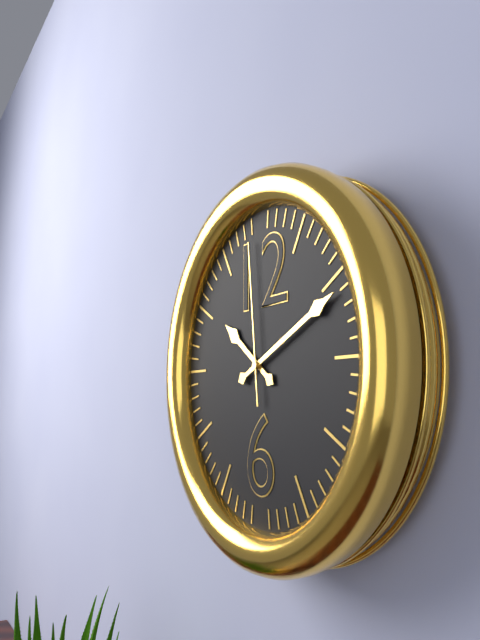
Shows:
10,11,59
